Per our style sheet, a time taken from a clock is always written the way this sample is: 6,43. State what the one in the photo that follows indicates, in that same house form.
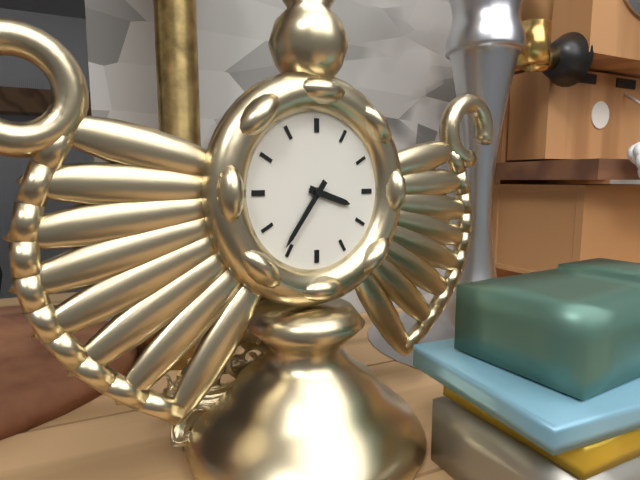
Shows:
3,36
